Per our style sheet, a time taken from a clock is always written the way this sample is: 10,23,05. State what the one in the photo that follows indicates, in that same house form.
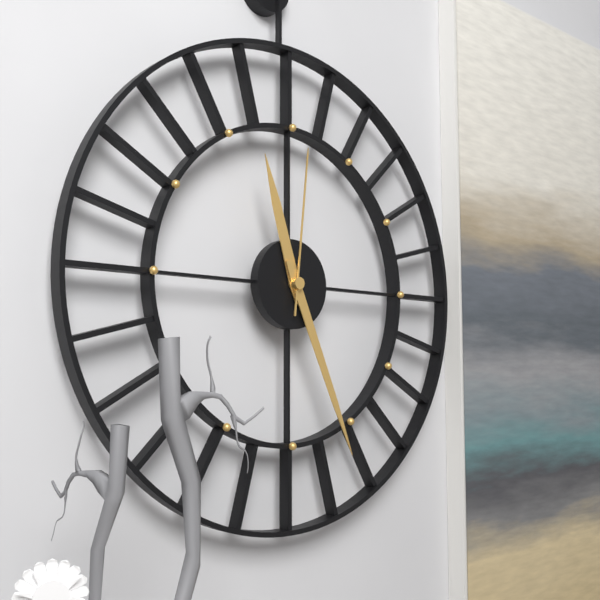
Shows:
11,26,01
